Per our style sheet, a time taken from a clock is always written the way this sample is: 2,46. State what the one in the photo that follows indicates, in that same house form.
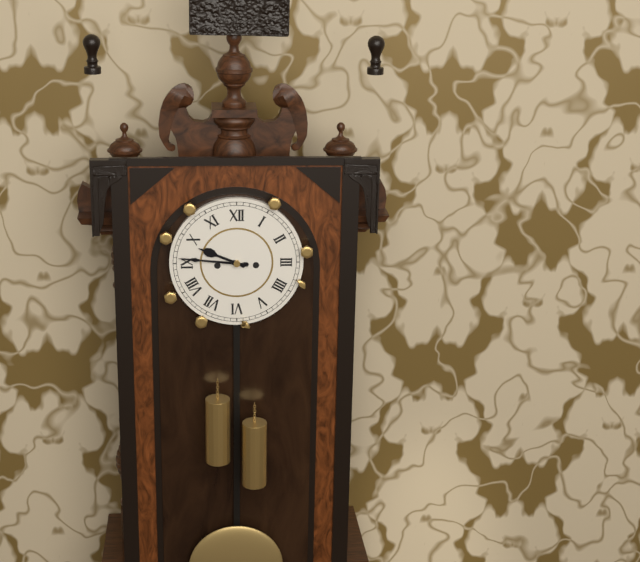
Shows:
9,46
